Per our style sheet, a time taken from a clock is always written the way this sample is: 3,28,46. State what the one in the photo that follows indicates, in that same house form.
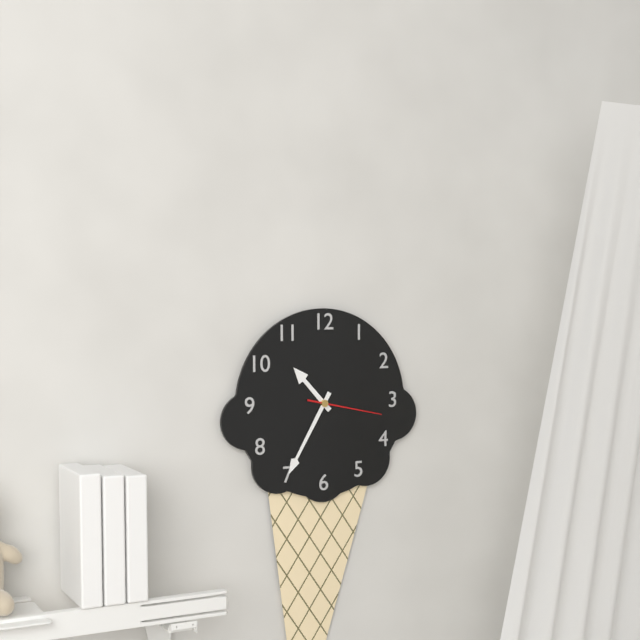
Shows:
10,35,17
